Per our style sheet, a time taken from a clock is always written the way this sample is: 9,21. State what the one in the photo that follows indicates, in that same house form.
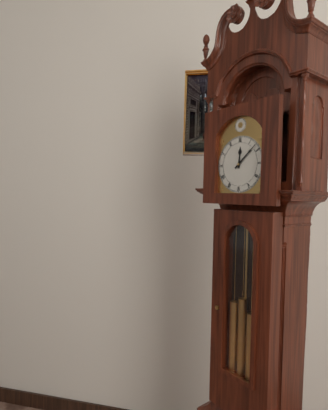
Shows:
12,08
